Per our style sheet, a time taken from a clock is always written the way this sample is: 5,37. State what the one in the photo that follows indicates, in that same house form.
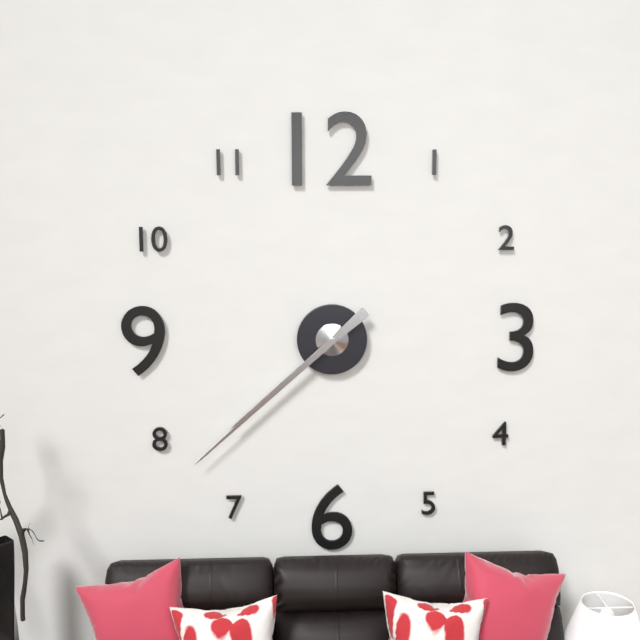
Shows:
7,38
